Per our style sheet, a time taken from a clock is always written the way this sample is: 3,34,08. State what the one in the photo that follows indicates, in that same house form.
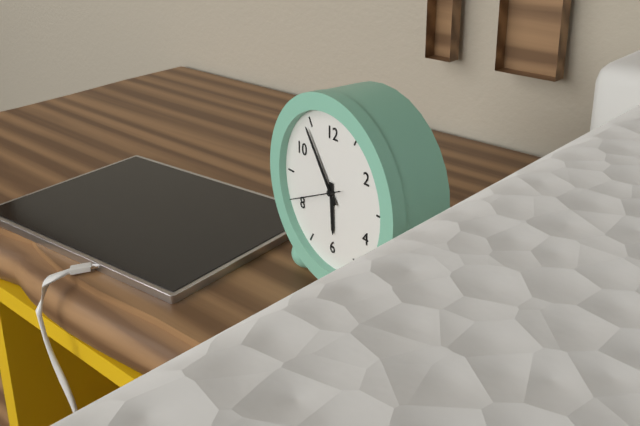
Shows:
5,54,41
